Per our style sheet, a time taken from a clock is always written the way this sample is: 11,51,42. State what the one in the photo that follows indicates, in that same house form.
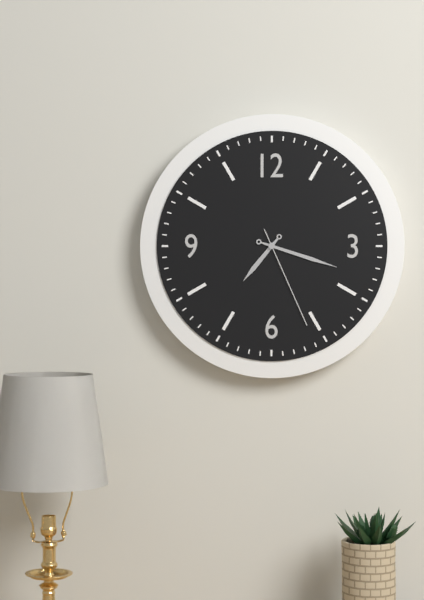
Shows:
7,18,26
